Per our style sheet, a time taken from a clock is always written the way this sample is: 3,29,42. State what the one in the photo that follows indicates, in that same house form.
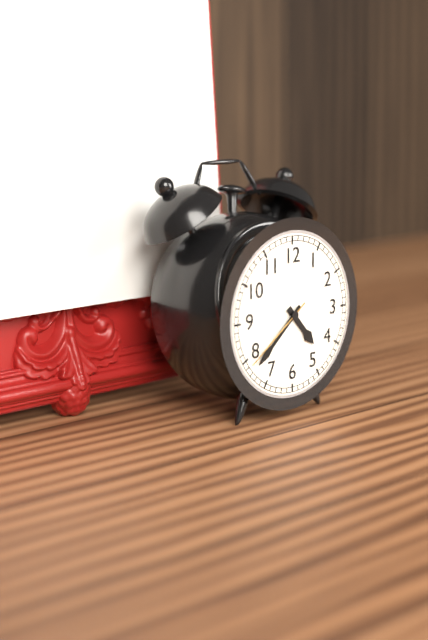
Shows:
4,38,39
